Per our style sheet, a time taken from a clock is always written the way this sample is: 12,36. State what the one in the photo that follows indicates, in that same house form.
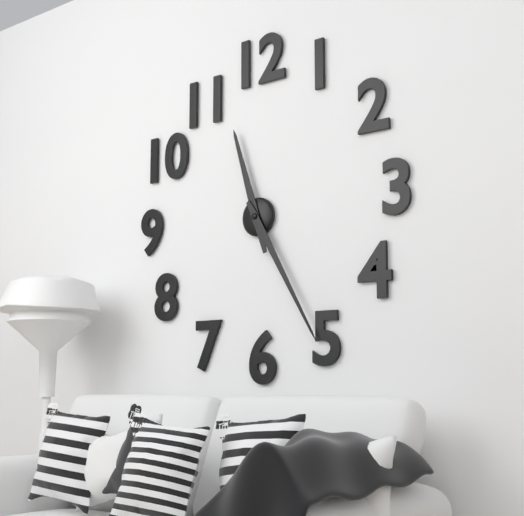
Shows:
11,25
